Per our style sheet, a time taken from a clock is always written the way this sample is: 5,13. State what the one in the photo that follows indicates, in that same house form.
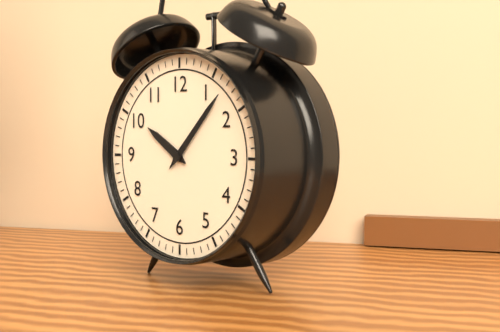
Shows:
10,07
